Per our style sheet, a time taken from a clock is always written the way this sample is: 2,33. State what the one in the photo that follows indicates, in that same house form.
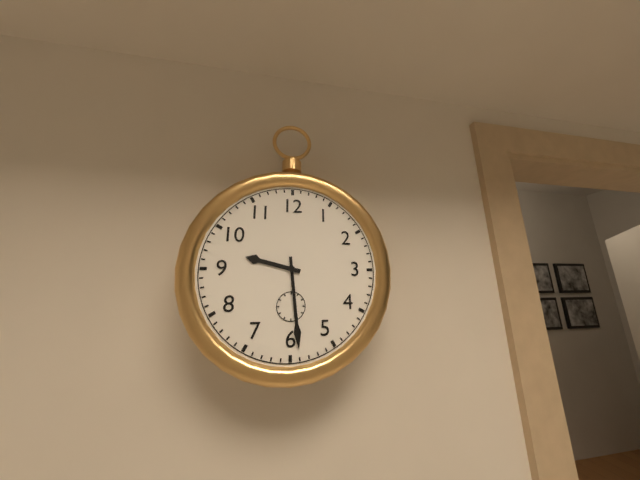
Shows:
9,29
